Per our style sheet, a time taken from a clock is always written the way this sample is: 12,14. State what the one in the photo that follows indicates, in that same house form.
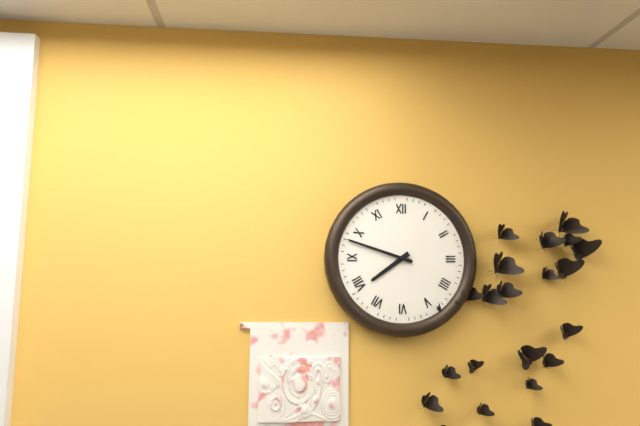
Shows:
7,48
